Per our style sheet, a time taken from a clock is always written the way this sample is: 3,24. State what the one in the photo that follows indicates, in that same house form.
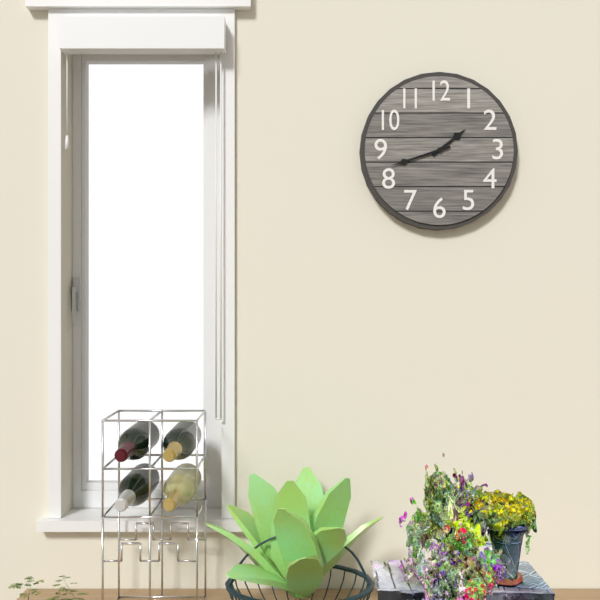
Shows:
1,42
